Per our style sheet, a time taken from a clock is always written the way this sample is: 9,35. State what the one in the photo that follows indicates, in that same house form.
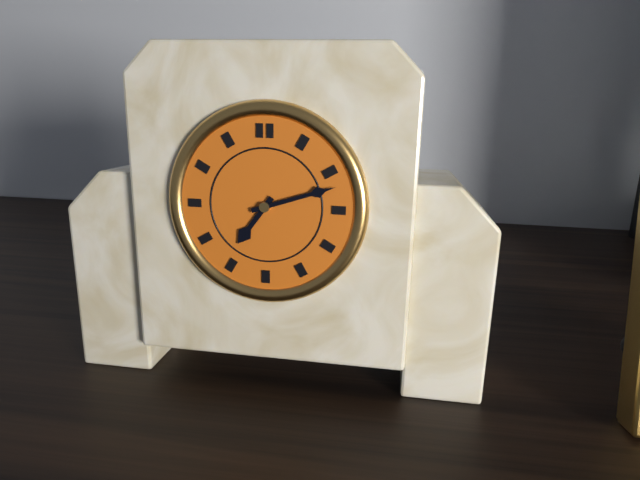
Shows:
7,12
